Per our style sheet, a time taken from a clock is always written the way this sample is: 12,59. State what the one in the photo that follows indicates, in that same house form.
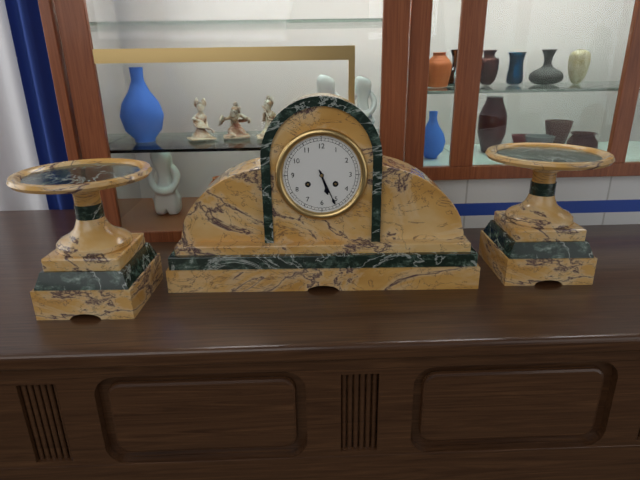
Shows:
5,26
